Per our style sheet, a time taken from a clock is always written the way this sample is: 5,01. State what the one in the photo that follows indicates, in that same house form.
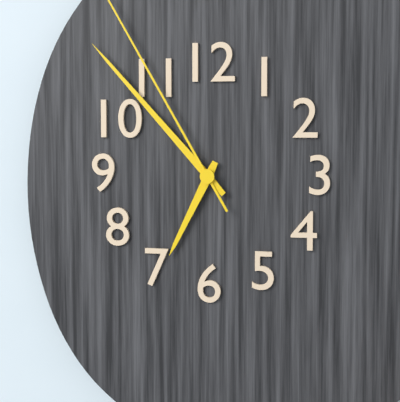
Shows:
6,53
